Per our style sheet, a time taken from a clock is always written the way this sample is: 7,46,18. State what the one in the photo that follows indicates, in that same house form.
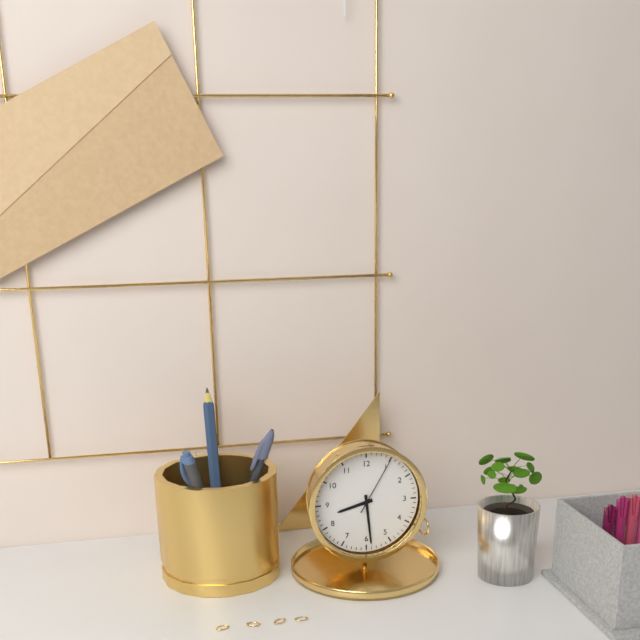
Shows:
8,29,05
